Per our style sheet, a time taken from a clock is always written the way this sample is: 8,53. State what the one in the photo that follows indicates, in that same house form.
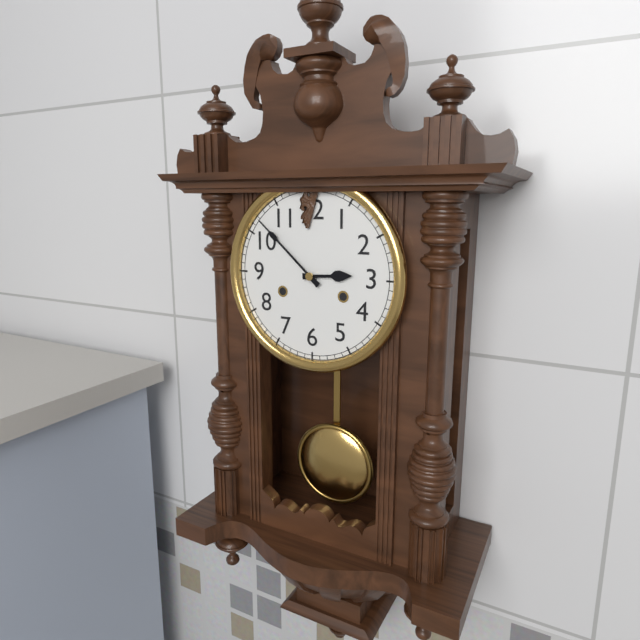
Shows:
2,52
